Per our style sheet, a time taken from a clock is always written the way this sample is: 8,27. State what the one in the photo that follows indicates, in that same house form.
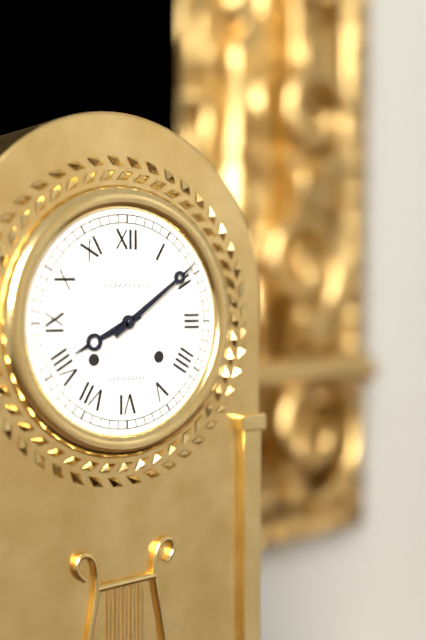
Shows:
8,09
